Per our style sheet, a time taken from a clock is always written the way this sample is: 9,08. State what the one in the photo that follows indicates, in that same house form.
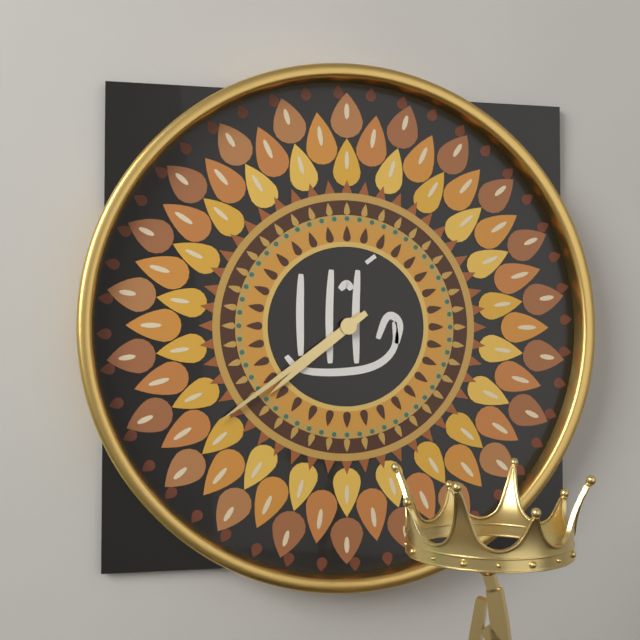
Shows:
7,39
